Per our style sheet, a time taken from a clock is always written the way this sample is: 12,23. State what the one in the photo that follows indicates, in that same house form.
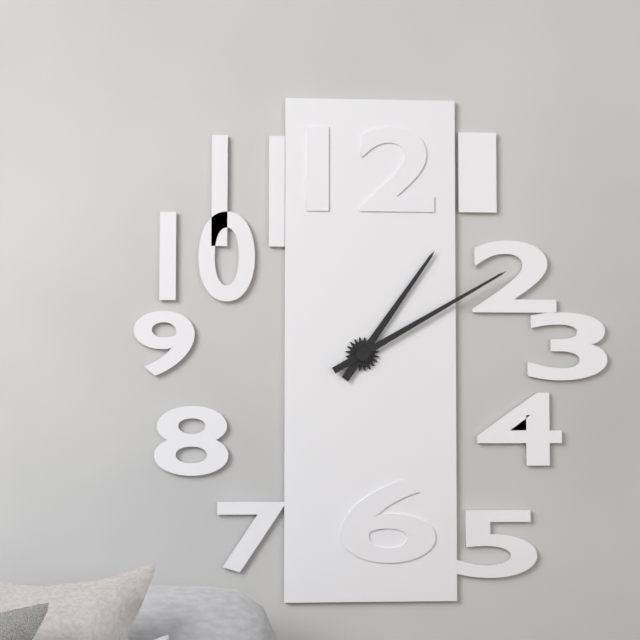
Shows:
1,10
